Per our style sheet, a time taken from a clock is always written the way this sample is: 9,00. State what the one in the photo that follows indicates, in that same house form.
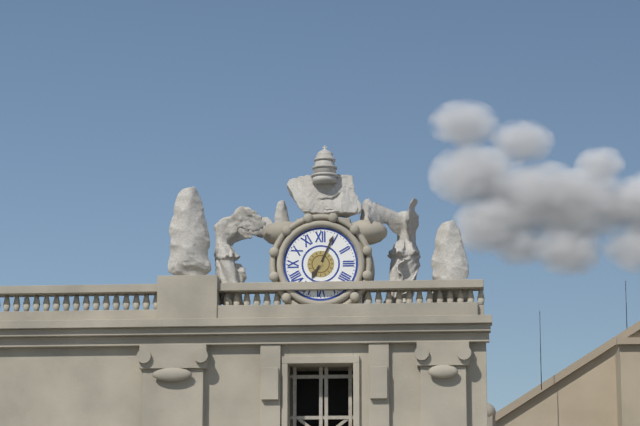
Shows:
7,04
